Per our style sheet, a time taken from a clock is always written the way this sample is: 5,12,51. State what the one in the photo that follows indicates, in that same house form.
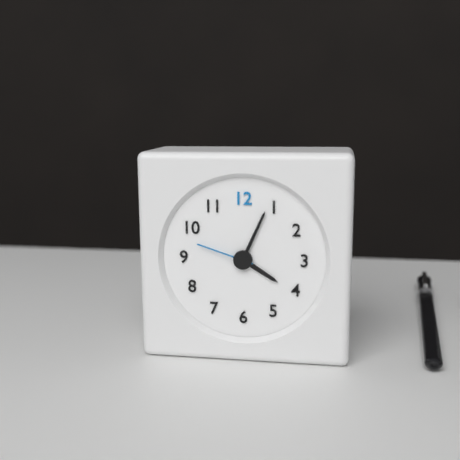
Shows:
4,04,48
